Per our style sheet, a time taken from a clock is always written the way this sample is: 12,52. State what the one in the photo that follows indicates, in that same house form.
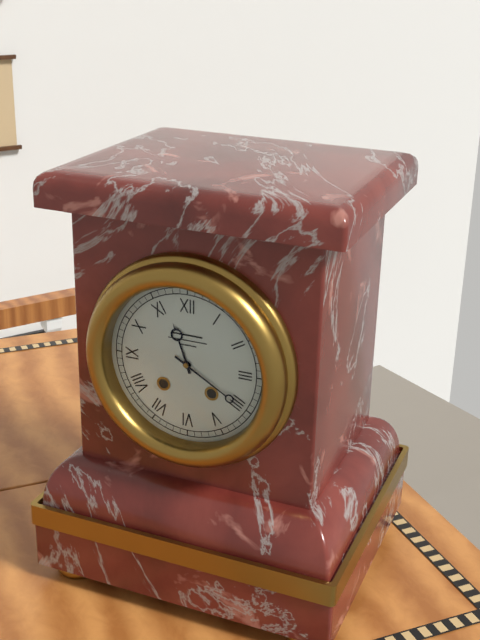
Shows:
11,20
